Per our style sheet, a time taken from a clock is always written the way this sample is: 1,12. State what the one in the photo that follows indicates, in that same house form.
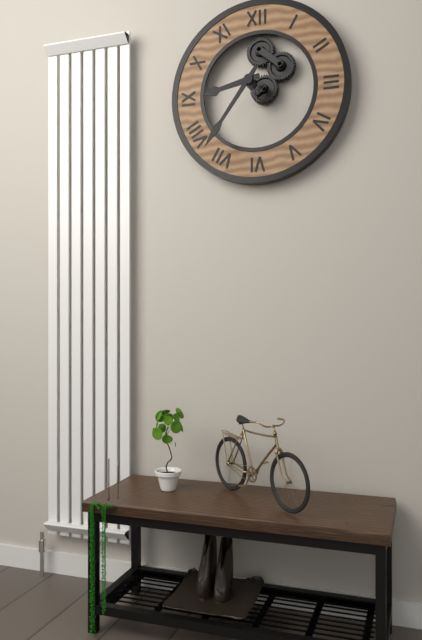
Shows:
8,36
